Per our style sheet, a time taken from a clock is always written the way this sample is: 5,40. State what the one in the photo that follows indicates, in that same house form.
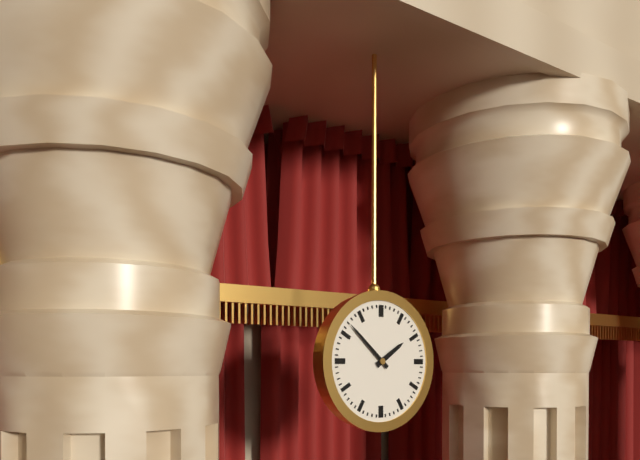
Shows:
1,52
